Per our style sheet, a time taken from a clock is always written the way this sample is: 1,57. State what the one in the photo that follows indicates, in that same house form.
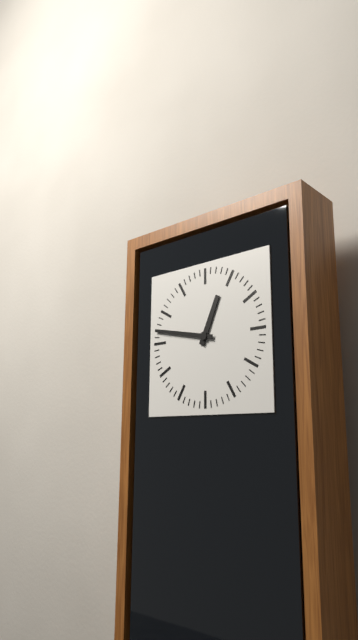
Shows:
12,47
